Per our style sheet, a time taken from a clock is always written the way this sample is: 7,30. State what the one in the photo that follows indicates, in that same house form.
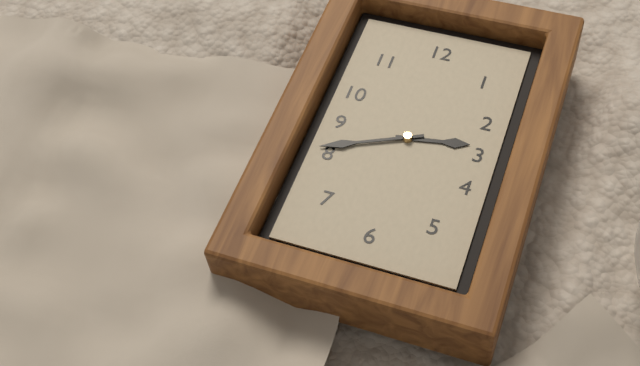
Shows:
2,41
